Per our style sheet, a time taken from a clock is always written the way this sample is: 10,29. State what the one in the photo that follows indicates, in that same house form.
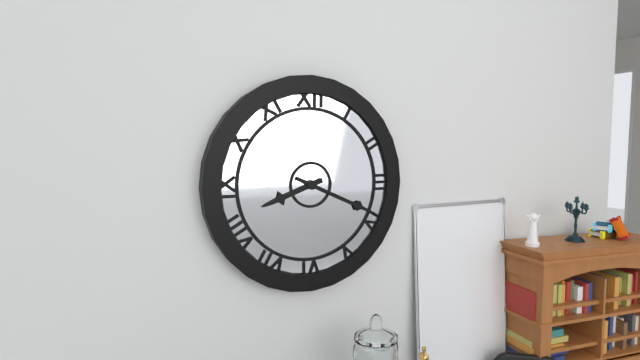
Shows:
8,19
